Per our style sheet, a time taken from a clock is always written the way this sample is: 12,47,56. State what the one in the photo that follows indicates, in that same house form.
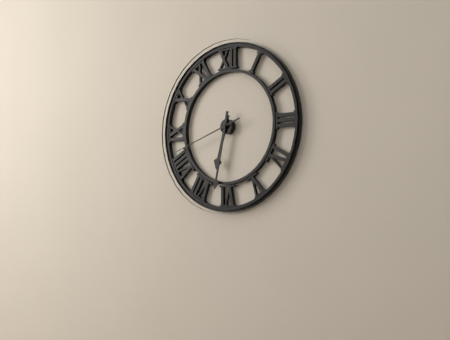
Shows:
6,32,42
